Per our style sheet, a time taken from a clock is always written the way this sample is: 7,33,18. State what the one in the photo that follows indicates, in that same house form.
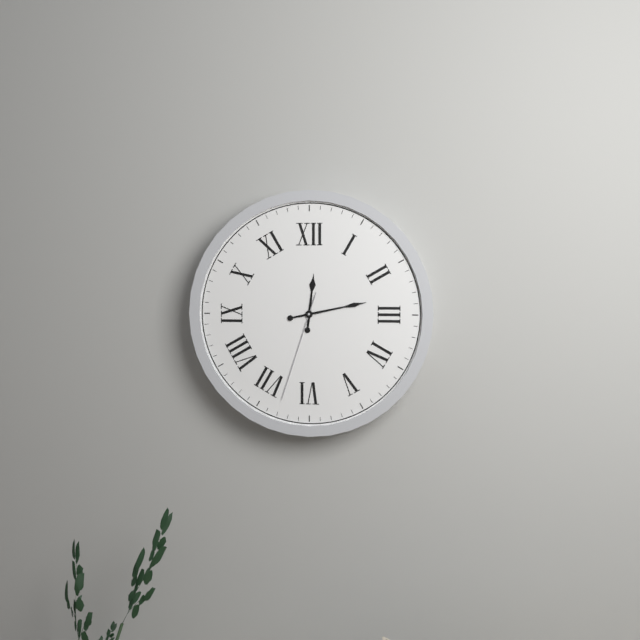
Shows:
12,13,33
